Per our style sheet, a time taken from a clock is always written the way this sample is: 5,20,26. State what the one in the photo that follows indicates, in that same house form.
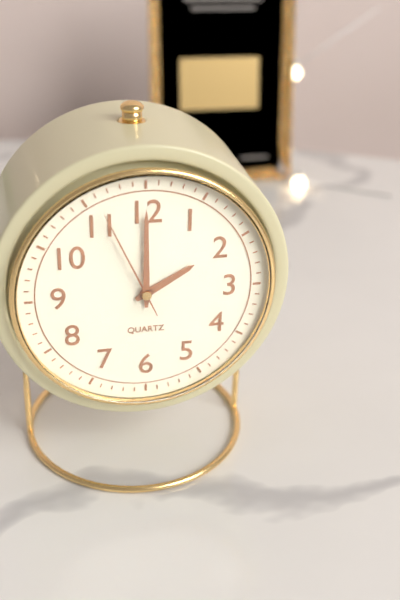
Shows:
2,00,56
